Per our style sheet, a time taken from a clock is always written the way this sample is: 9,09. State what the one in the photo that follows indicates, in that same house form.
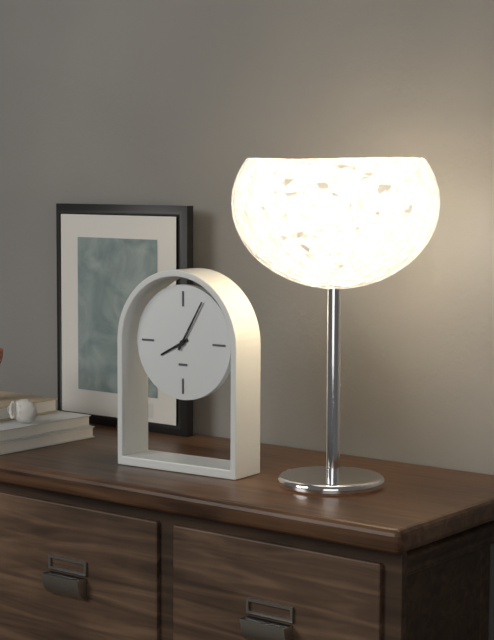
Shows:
8,05
